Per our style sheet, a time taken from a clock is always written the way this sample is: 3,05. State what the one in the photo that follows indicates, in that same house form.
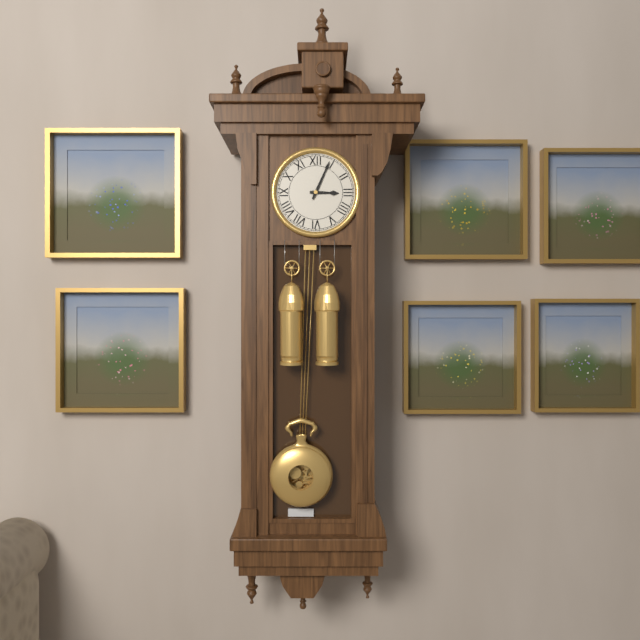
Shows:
3,04
